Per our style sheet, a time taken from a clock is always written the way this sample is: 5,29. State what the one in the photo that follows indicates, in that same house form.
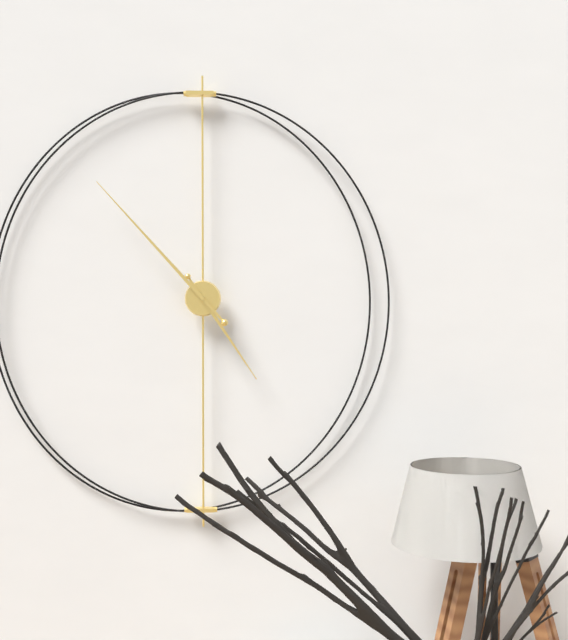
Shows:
4,53
